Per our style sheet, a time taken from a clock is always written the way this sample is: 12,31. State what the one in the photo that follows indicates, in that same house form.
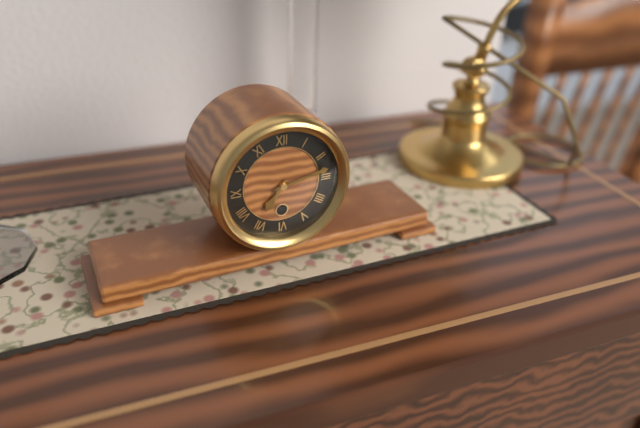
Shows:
7,13
